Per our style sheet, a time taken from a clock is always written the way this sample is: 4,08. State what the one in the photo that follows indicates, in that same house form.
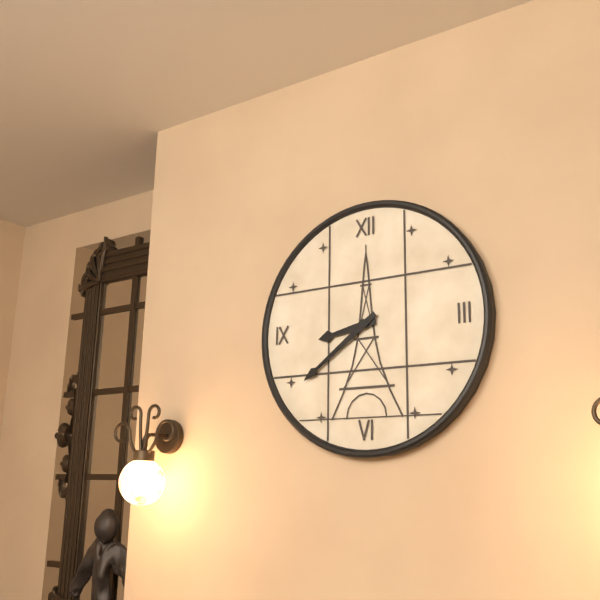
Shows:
8,39
